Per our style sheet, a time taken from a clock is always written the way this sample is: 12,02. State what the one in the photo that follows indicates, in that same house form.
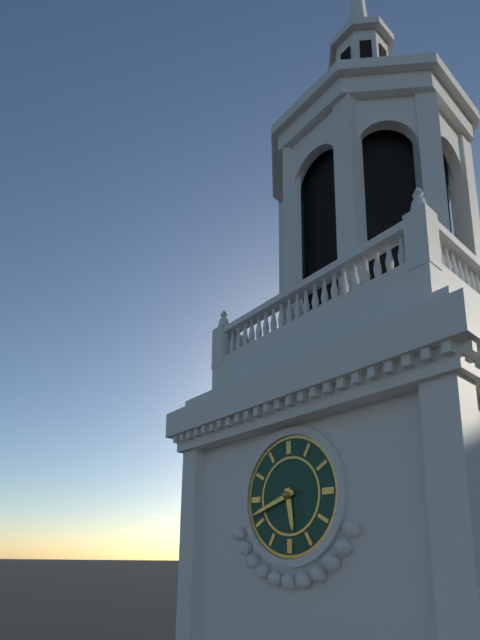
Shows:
5,42
